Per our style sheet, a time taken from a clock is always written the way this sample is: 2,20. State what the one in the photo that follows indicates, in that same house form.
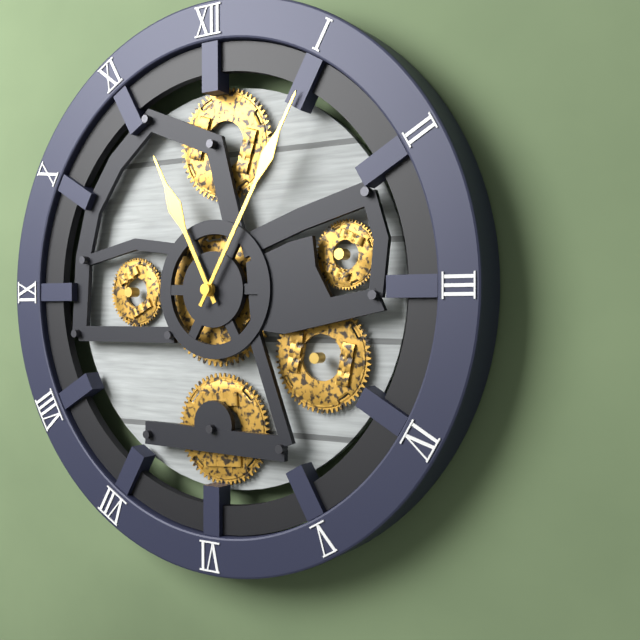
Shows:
11,05
